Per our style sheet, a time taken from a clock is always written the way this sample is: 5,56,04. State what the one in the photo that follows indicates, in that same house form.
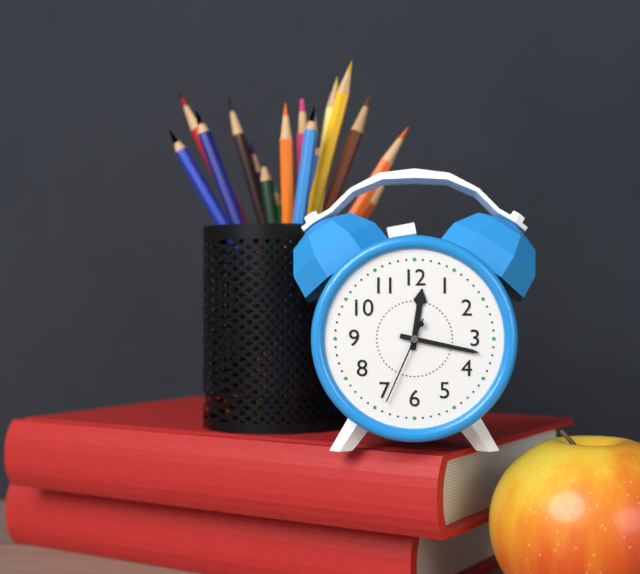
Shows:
12,17,34
